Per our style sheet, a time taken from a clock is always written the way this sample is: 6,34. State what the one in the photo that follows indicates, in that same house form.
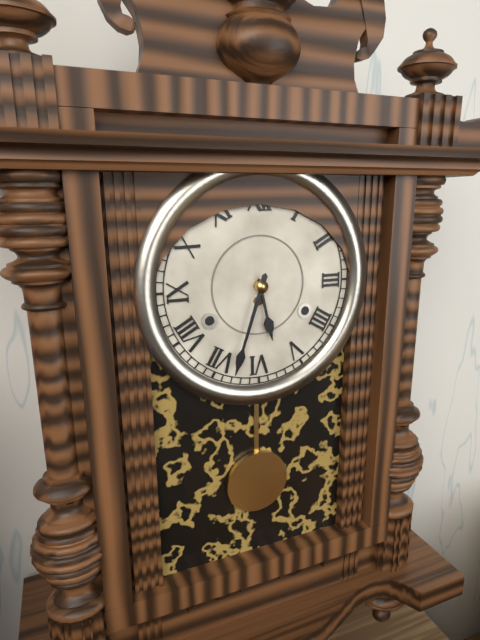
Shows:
5,33
